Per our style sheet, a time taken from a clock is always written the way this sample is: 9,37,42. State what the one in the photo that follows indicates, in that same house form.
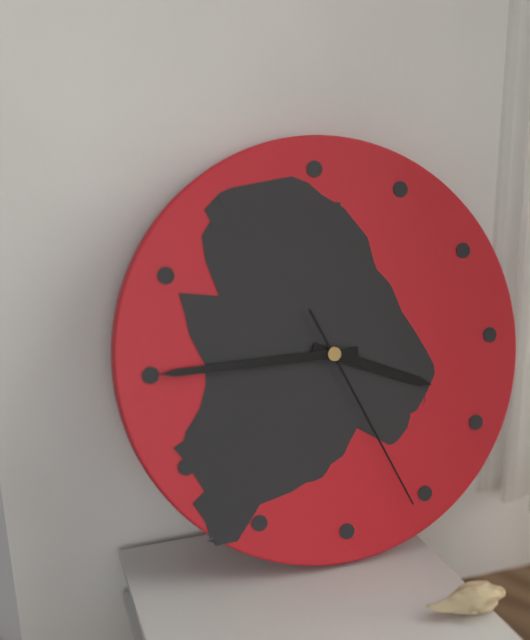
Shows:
3,45,26
